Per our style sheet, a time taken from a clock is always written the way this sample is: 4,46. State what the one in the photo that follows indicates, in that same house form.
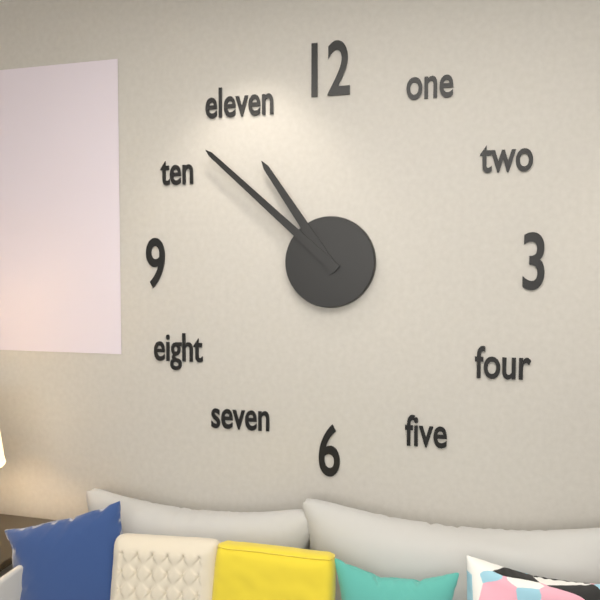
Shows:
10,52
